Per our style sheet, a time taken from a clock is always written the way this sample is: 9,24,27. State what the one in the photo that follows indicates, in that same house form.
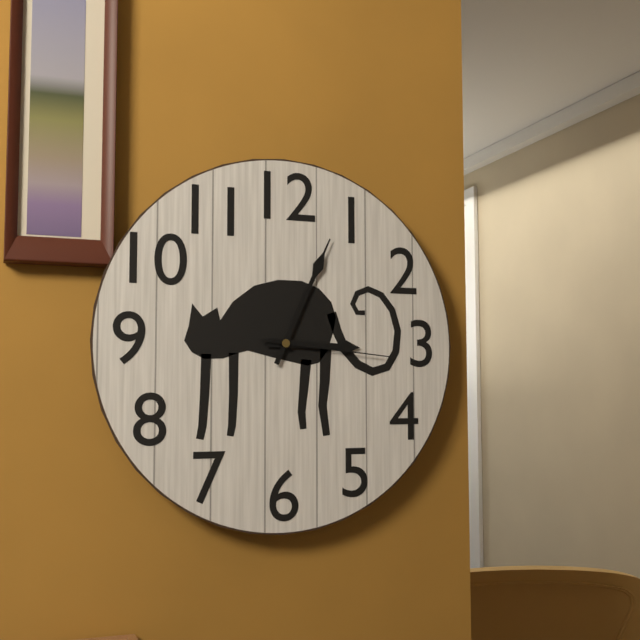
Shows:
3,04,16
